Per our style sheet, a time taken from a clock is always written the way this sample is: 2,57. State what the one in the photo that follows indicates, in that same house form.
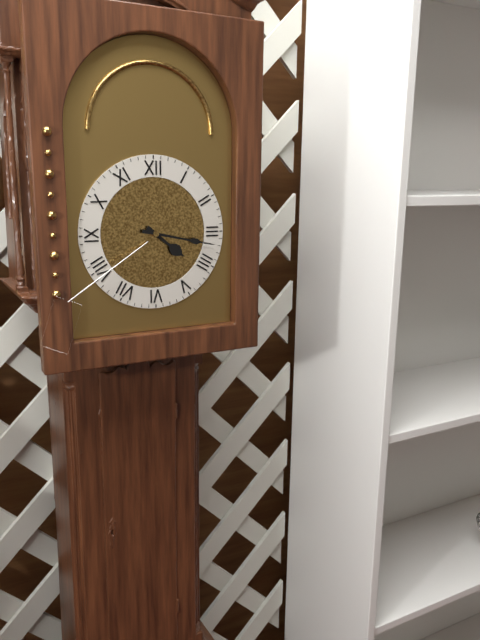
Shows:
4,17
